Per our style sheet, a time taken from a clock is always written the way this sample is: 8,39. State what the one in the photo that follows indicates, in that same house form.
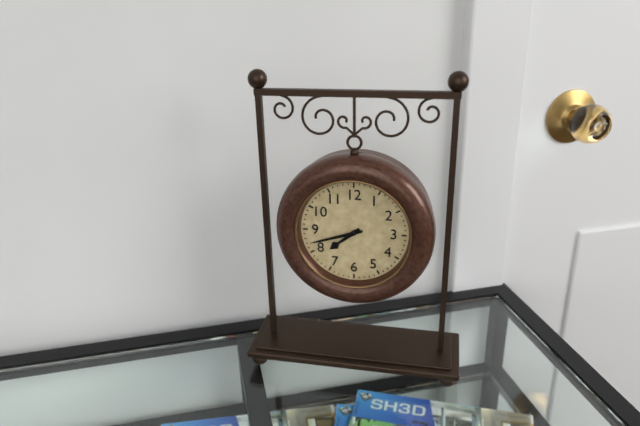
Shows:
7,42
